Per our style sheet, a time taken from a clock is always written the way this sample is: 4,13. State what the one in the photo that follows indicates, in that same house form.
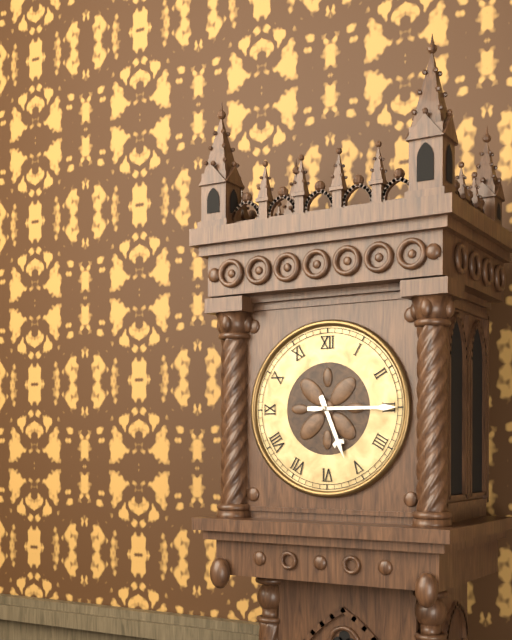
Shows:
5,15
